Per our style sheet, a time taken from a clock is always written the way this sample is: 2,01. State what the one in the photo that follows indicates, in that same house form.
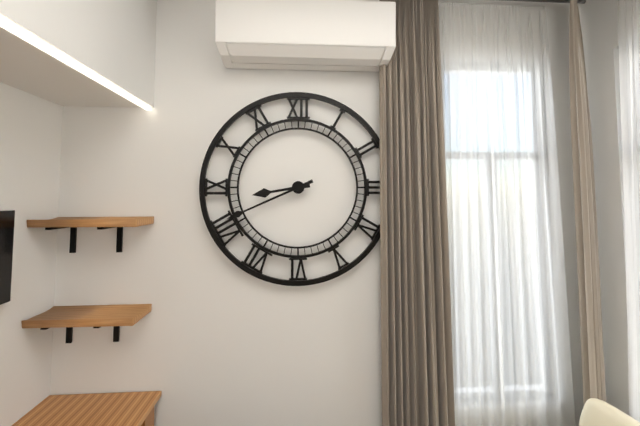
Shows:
8,41
